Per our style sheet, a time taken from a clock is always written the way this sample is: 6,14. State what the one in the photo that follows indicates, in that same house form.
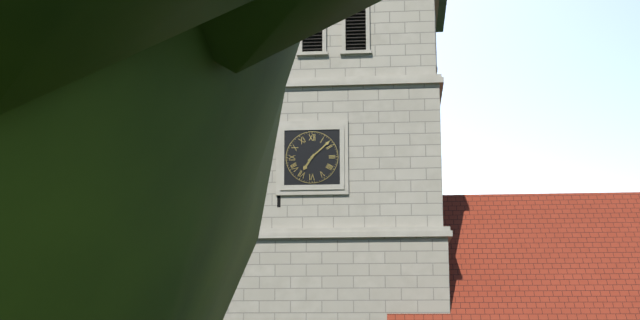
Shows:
7,08
